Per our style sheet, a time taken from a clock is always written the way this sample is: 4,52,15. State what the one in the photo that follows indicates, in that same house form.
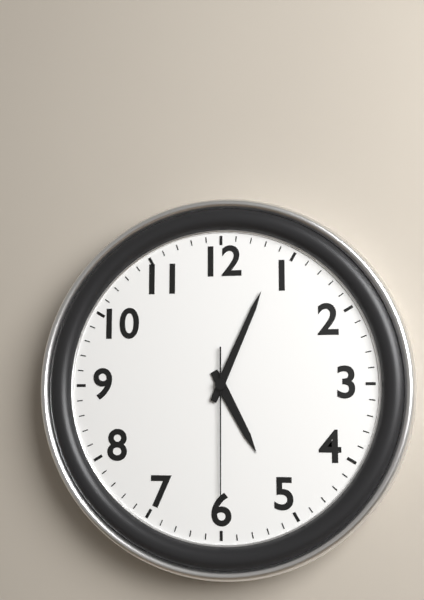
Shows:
5,04,30
